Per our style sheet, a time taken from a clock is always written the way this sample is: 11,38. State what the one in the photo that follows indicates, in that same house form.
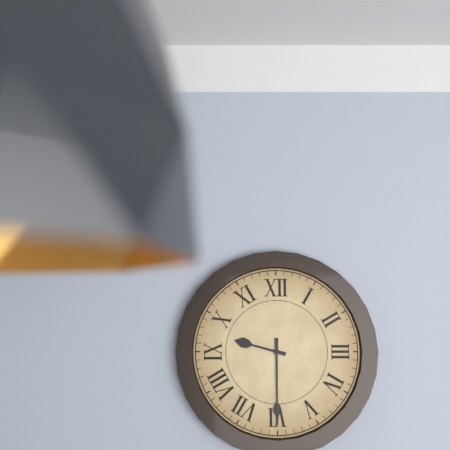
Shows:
9,30
